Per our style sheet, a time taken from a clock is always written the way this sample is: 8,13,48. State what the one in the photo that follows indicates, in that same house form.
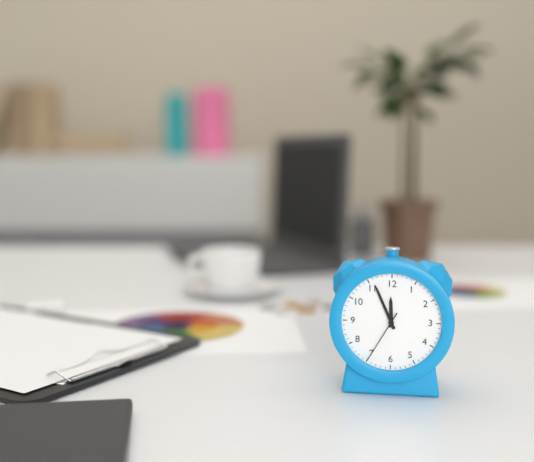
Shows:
11,56,35
